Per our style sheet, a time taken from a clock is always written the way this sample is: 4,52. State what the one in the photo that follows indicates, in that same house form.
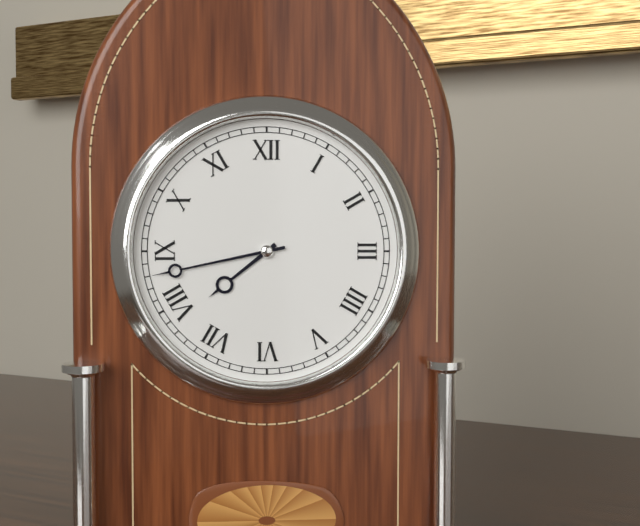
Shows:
7,43
